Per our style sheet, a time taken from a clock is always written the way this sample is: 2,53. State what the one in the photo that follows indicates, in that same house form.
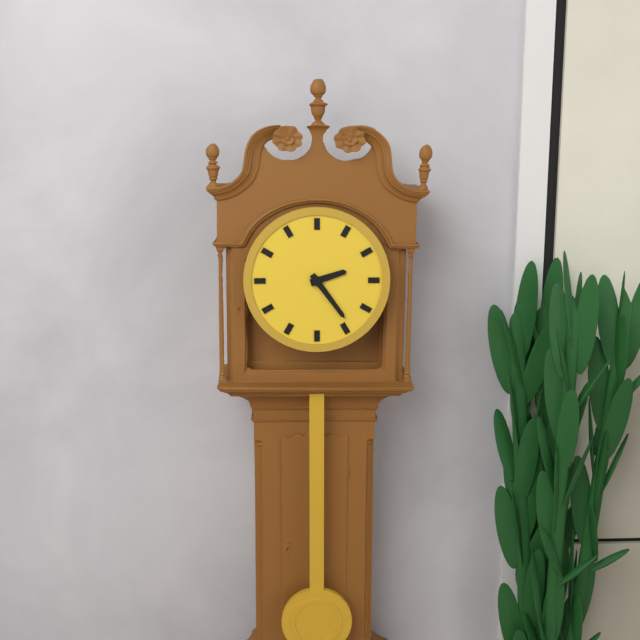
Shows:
2,24
